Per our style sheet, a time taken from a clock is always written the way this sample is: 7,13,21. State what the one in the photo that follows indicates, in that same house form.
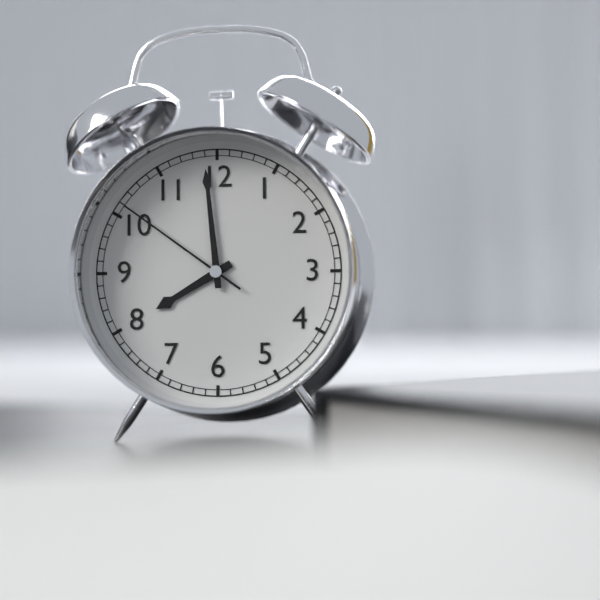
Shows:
7,59,51
